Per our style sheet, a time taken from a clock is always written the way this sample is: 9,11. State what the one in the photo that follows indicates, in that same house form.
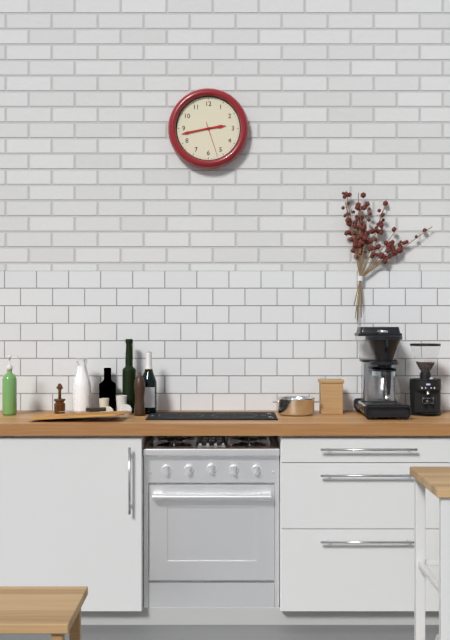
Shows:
2,43
